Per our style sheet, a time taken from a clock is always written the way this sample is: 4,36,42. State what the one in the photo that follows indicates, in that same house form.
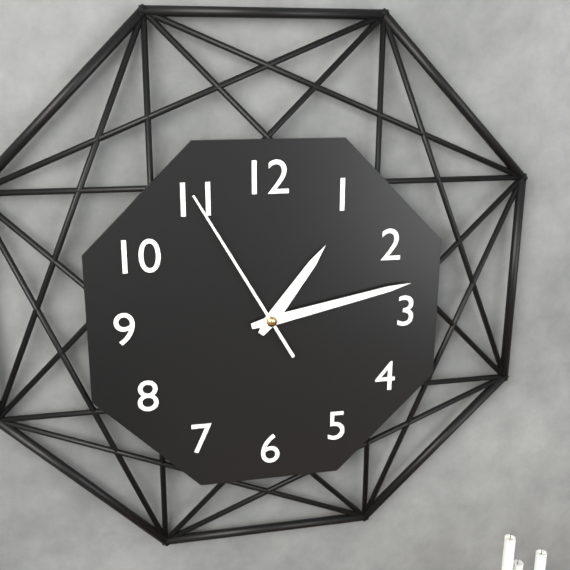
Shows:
1,13,55
